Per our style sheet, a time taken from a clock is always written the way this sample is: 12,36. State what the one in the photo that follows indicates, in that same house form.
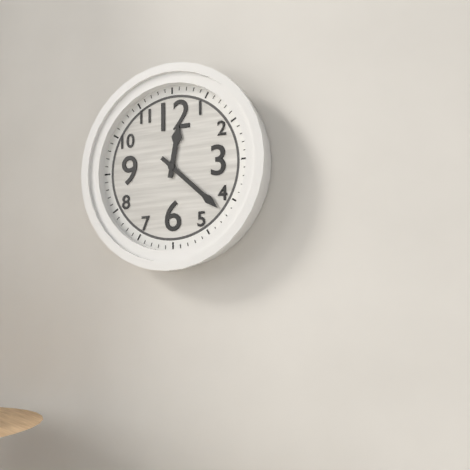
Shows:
12,22
